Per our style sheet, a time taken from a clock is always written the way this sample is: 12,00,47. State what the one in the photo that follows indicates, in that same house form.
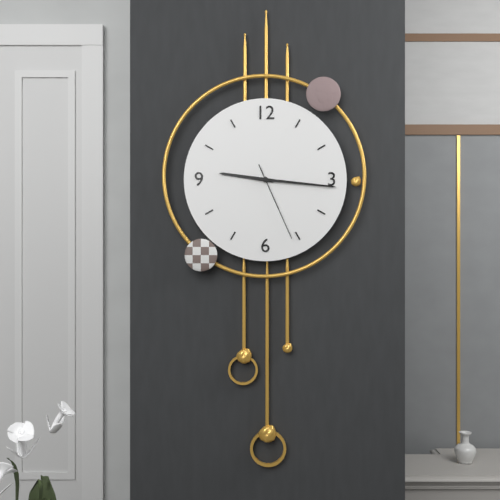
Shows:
9,16,26
